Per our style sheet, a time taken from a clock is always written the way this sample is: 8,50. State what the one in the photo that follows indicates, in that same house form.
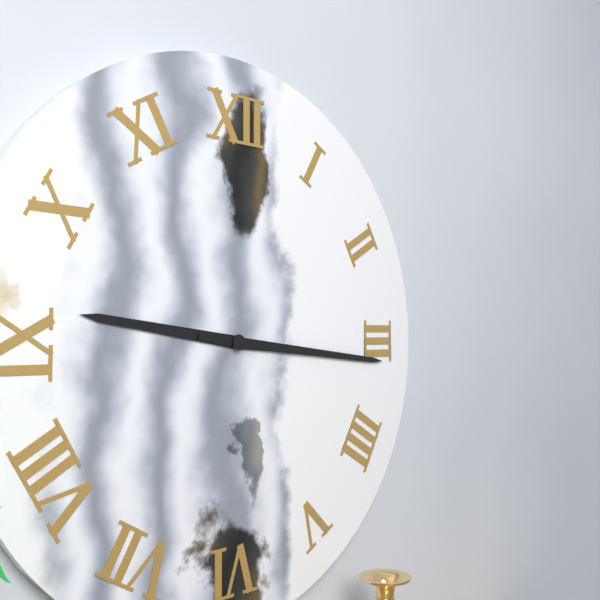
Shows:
9,16
